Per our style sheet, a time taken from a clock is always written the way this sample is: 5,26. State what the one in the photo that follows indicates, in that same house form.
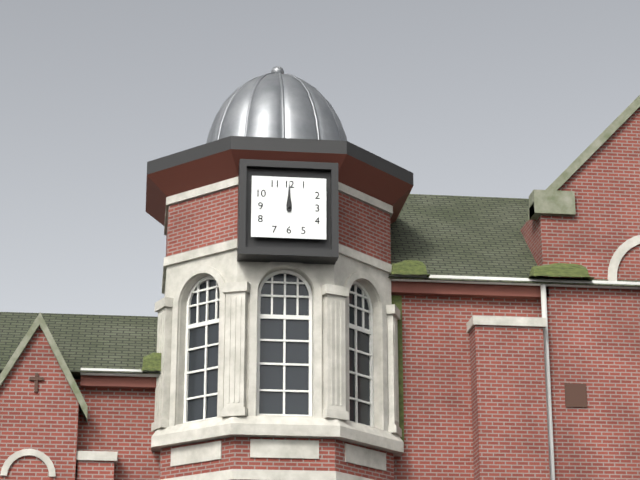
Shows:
12,00
